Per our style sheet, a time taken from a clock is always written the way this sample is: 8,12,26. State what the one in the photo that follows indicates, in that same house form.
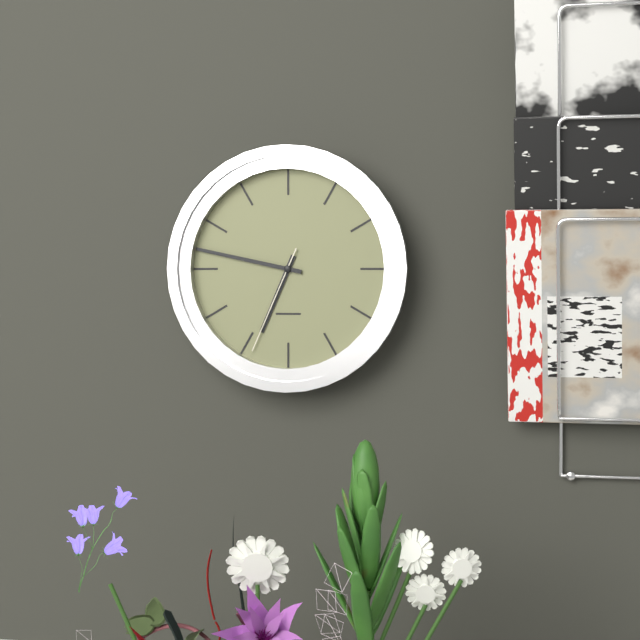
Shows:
6,47,34
